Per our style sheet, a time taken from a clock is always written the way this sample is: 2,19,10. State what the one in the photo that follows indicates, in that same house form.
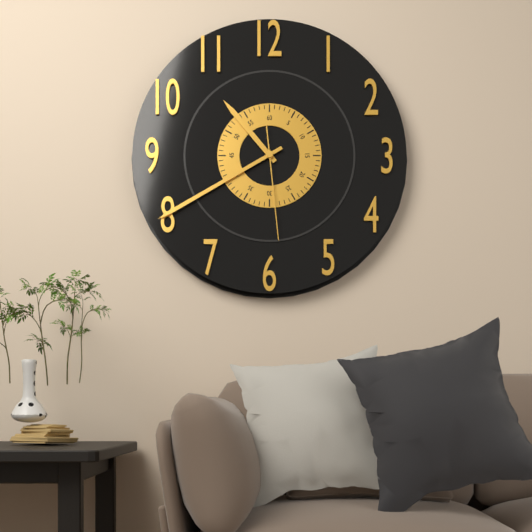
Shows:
10,40,29
